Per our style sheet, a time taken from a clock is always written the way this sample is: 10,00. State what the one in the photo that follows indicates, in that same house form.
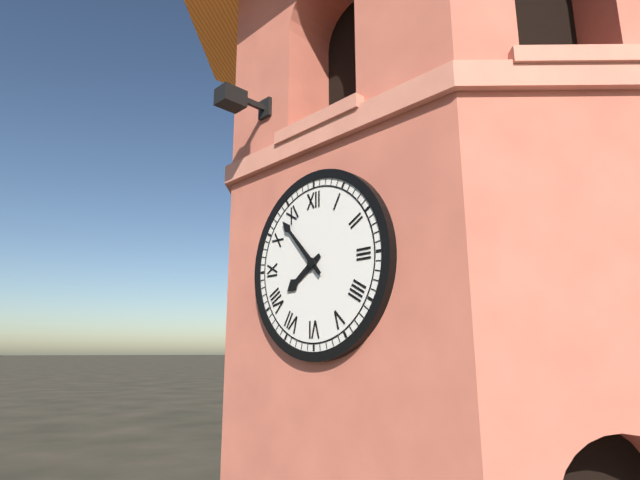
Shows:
7,53
